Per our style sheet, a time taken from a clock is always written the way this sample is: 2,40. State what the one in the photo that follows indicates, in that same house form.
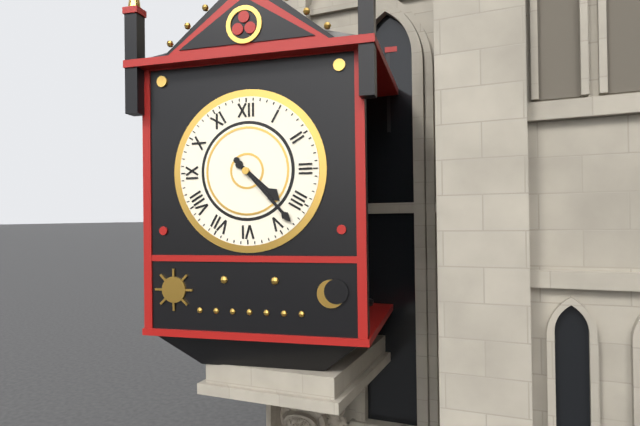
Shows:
4,23
